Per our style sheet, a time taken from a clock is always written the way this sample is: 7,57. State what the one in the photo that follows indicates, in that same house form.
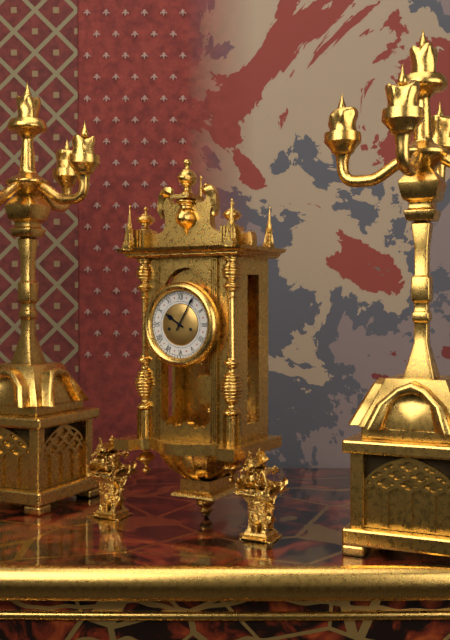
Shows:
10,05
